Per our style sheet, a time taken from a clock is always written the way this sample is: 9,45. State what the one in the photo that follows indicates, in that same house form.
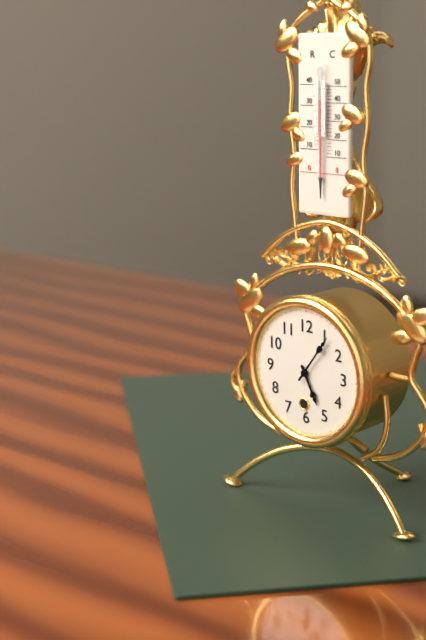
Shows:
5,06
